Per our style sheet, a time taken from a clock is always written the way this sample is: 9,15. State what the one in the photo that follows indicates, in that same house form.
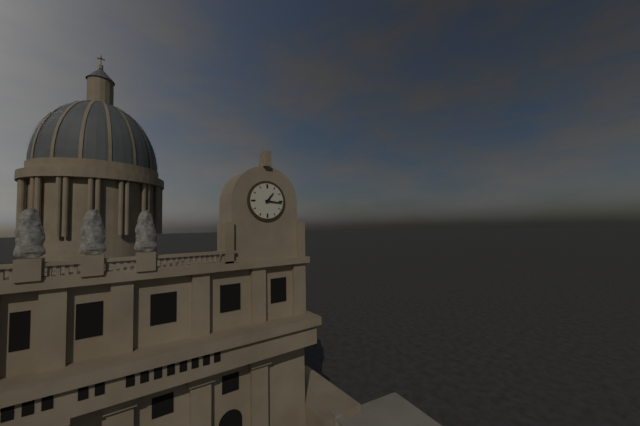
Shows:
1,16
